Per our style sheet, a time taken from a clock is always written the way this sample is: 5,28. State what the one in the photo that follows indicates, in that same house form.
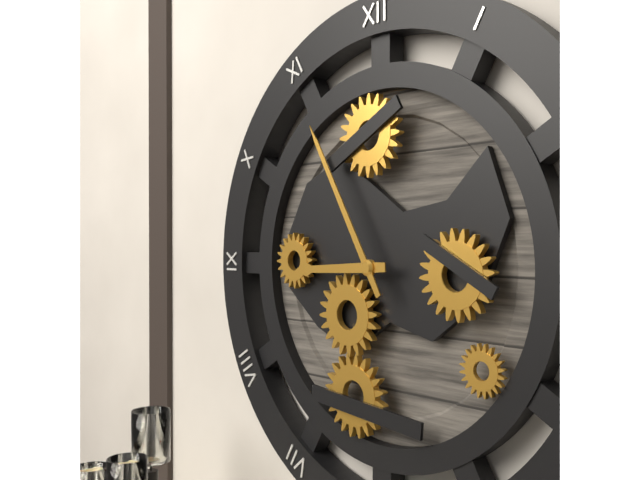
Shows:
8,55
